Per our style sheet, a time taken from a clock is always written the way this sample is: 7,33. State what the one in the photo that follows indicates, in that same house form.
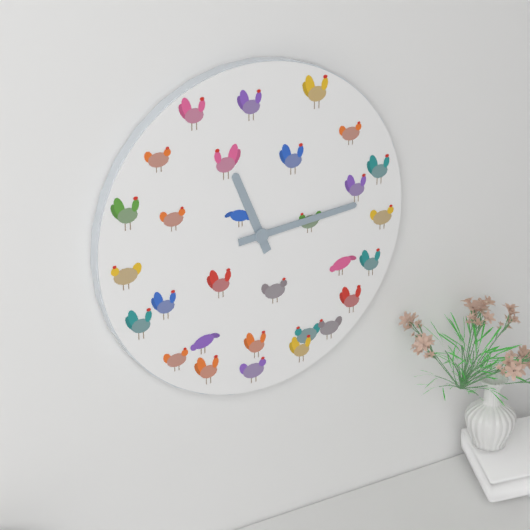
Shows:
11,14
